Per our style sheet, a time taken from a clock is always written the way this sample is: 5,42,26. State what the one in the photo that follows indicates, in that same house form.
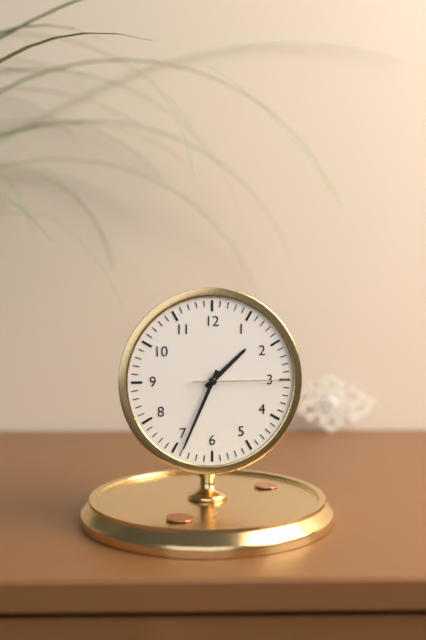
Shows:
1,34,15
